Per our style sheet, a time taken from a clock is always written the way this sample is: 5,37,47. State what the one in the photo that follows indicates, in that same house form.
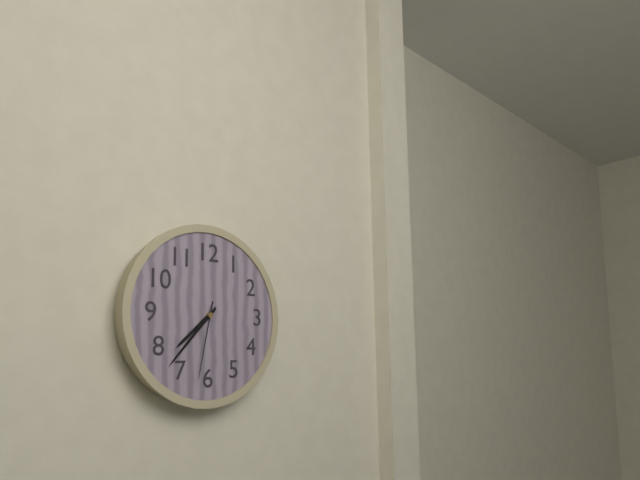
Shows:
7,37,32
